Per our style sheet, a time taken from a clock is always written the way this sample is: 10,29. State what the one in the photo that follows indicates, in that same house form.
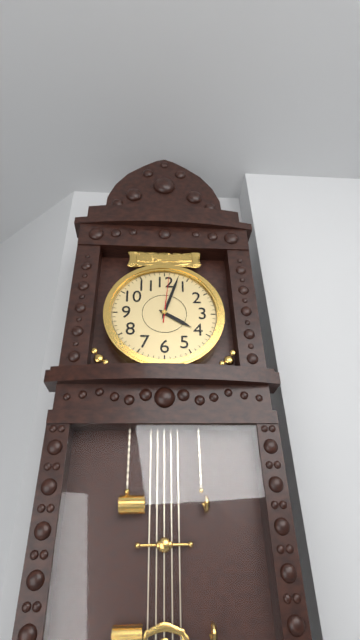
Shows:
4,03
